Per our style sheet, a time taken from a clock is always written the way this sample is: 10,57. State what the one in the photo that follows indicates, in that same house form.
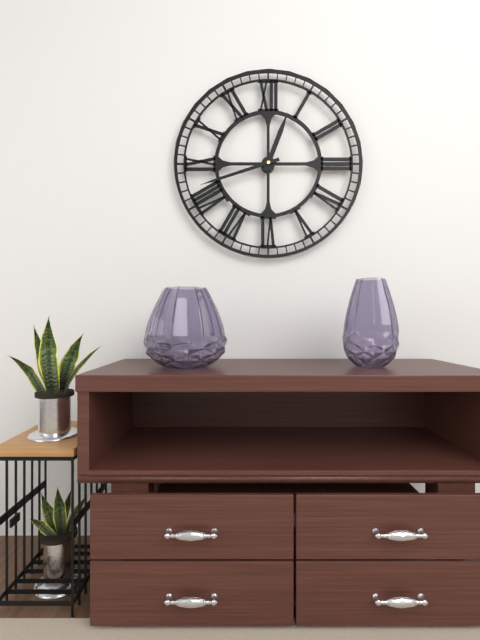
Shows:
12,42
